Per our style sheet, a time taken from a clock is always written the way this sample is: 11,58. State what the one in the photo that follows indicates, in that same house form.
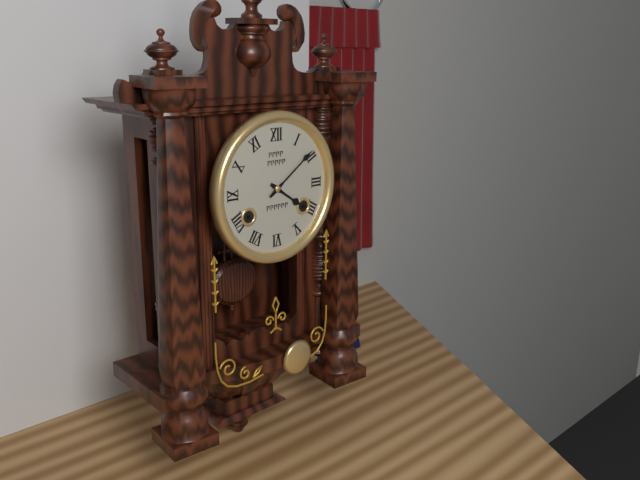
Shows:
4,09
